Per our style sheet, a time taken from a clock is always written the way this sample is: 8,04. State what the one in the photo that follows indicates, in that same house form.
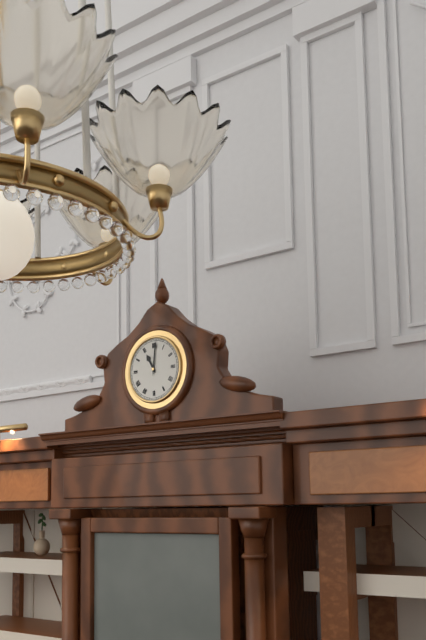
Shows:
11,01
